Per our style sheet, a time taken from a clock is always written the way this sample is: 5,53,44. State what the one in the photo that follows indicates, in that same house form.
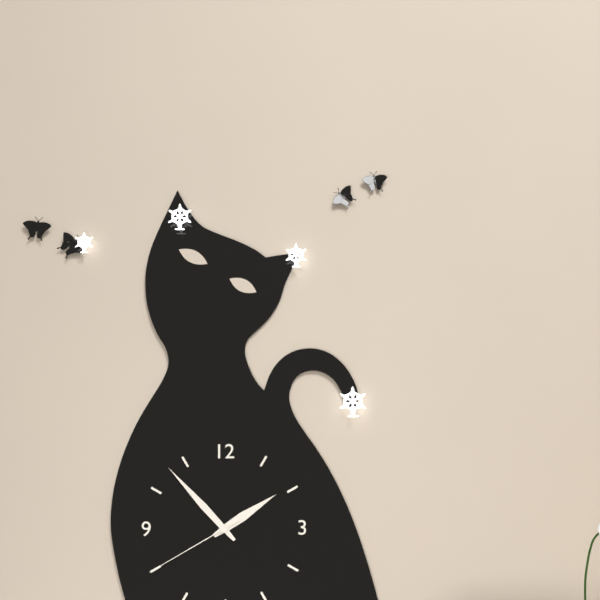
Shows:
1,53,40
